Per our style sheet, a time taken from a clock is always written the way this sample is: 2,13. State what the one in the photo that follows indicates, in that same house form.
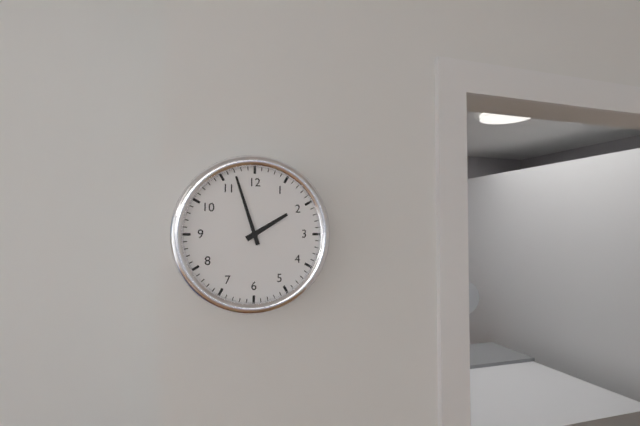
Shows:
1,57
